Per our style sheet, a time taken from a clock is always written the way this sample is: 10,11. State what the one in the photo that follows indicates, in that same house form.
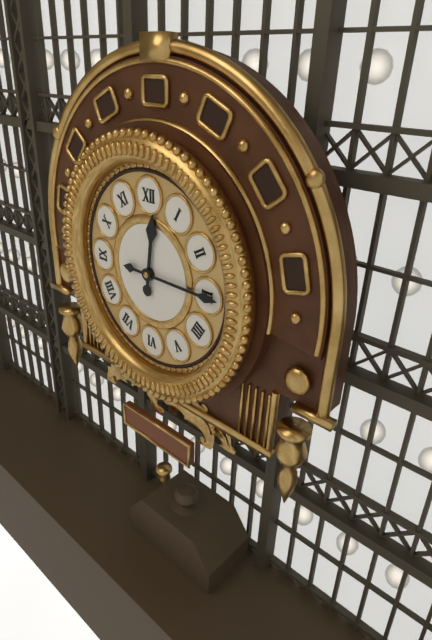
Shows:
12,15
